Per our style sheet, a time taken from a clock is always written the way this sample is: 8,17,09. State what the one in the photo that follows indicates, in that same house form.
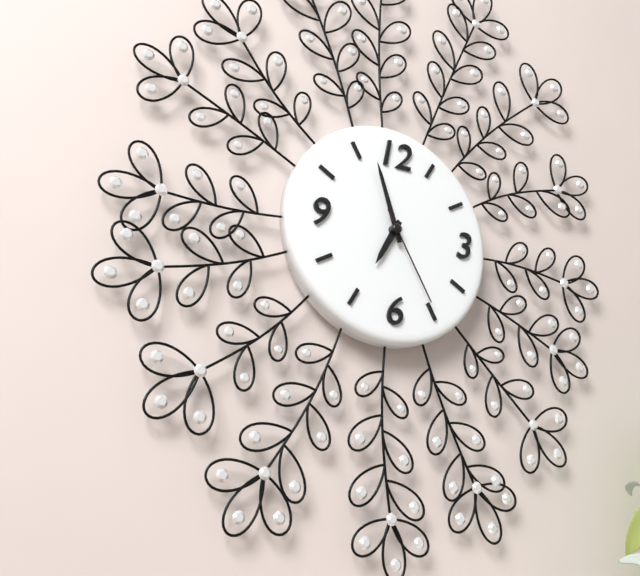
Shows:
6,57,25
